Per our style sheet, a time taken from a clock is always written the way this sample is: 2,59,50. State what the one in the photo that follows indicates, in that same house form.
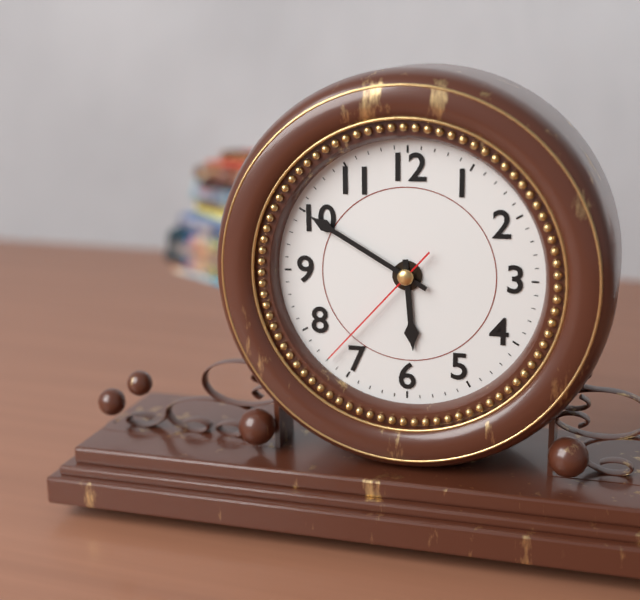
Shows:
5,50,37
